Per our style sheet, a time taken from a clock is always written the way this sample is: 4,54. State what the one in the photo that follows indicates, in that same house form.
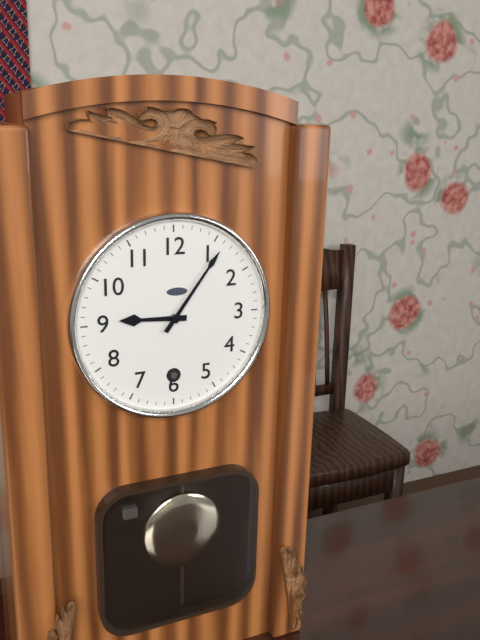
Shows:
9,06
